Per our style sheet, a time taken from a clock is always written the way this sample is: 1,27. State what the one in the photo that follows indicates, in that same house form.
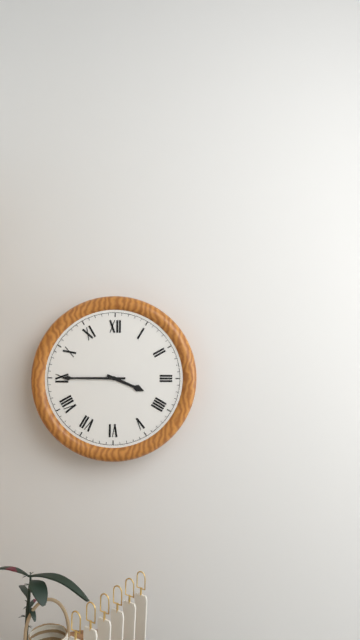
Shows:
3,45
